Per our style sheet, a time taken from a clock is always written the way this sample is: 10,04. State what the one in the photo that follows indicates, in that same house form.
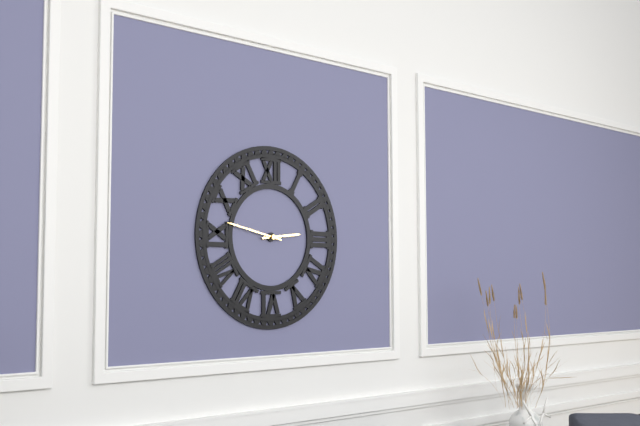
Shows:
2,47
